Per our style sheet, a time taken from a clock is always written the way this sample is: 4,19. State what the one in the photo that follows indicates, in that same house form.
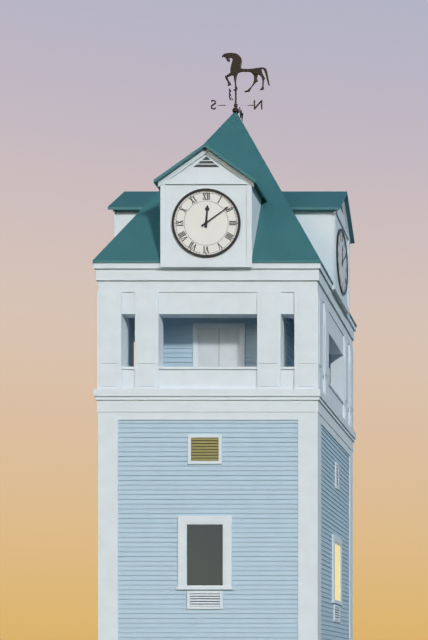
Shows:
12,09
